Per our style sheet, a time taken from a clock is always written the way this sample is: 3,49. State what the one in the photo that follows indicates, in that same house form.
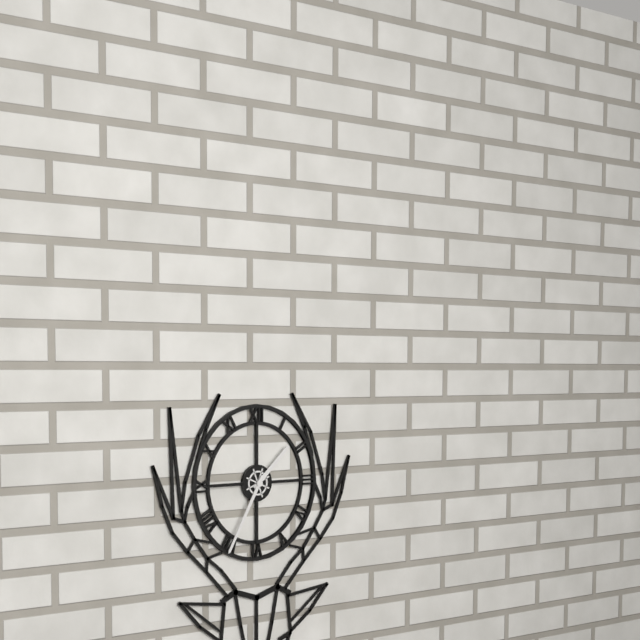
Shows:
1,35
